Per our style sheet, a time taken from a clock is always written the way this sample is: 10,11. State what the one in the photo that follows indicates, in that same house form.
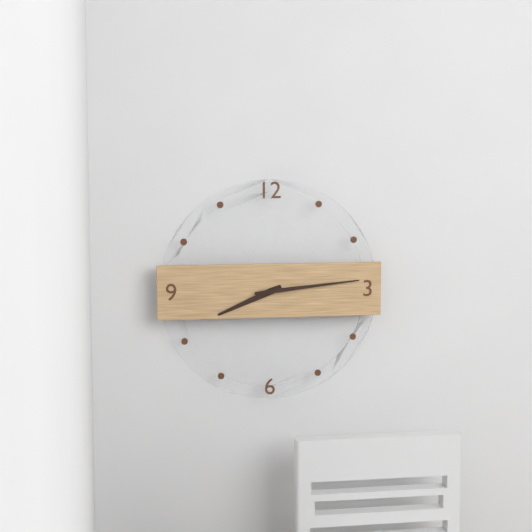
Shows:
8,14
